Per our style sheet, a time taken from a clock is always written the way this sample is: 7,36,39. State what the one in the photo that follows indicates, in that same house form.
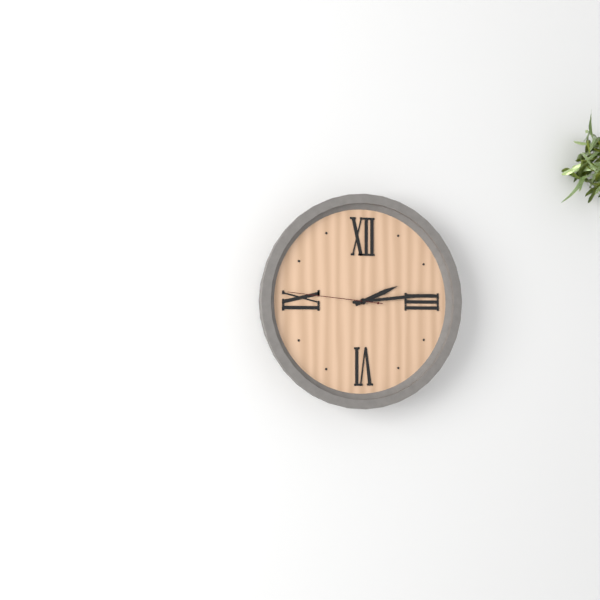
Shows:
2,14,46
